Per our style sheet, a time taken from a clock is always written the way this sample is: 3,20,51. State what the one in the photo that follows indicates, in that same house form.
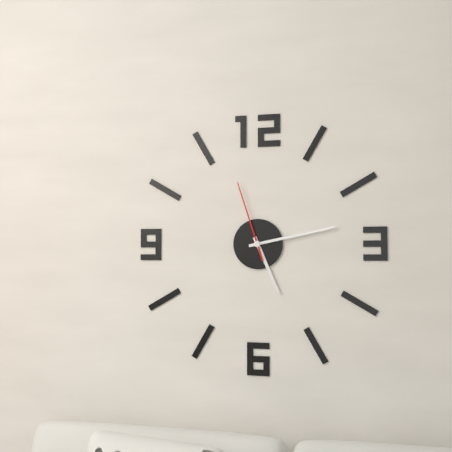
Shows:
5,13,57
